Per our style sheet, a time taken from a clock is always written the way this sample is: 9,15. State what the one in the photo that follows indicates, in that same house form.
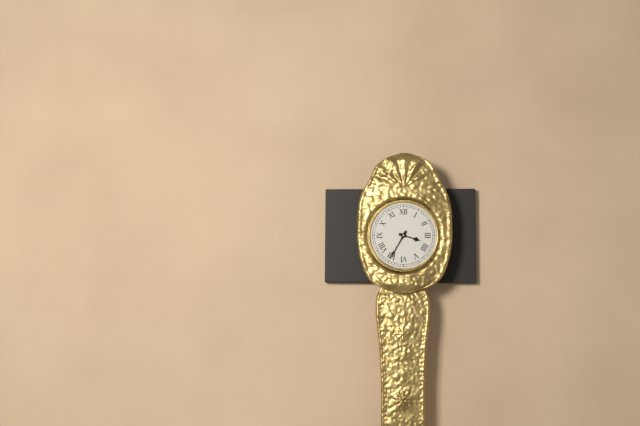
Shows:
3,35
